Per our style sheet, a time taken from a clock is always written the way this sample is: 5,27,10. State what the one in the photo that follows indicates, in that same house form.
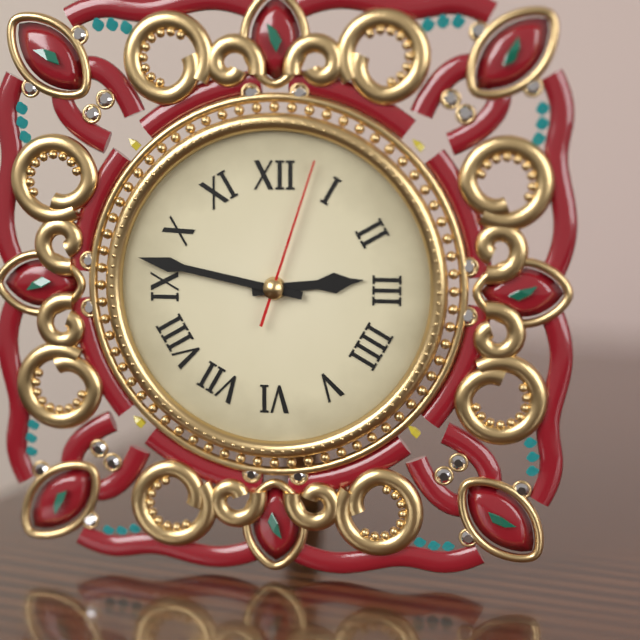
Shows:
2,47,03
